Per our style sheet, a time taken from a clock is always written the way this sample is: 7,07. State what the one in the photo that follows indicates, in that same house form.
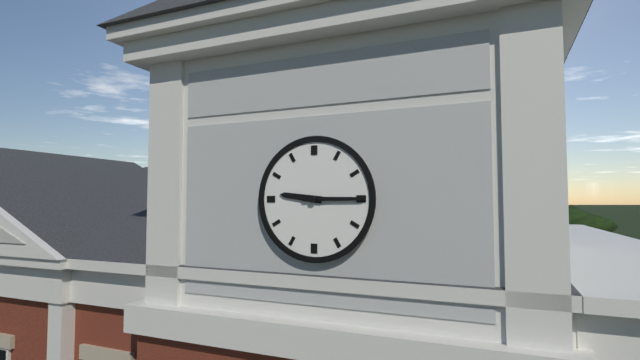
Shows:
9,15
